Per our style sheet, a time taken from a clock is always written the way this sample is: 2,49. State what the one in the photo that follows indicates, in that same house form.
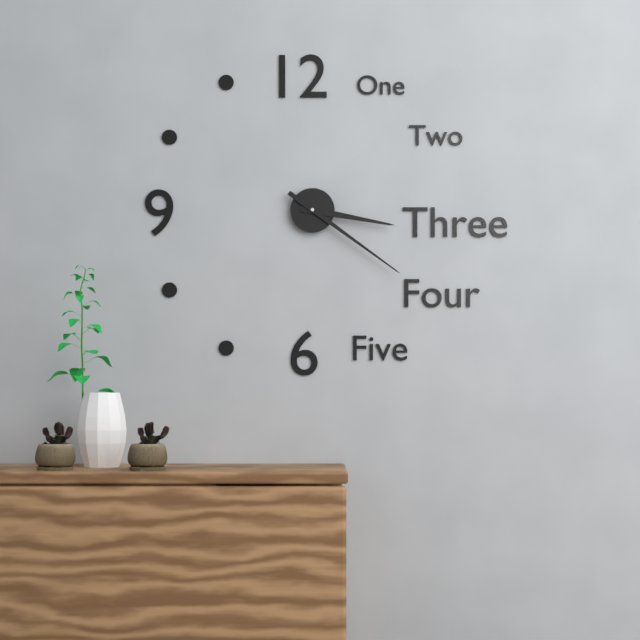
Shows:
3,21
